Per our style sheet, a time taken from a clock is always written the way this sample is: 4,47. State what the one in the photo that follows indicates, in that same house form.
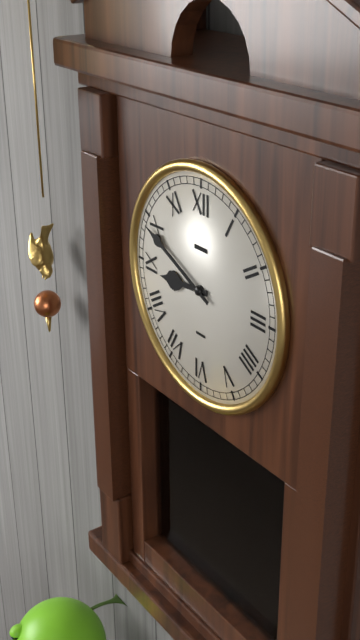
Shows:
8,49
